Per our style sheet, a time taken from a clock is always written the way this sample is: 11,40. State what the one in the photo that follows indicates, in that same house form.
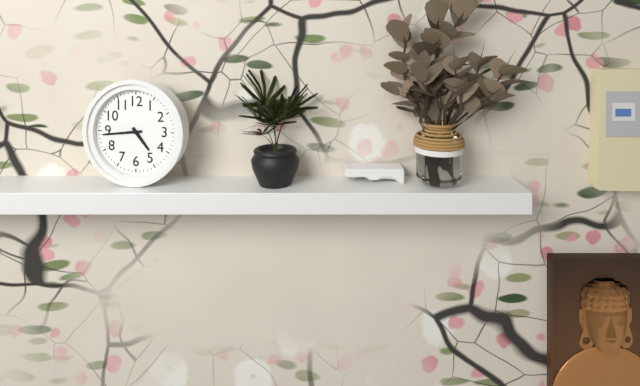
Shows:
4,44
